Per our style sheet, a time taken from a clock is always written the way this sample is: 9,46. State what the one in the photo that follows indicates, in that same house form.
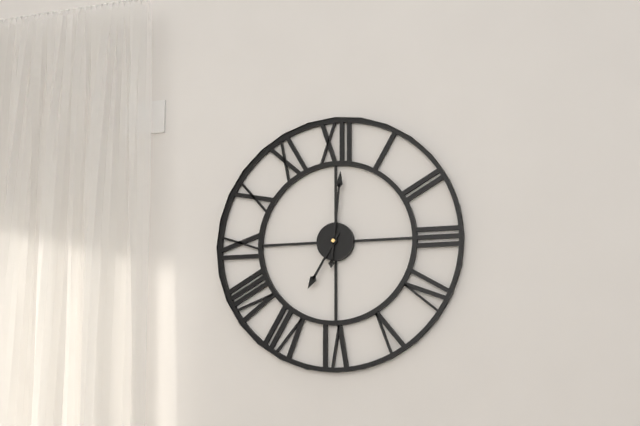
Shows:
7,01
